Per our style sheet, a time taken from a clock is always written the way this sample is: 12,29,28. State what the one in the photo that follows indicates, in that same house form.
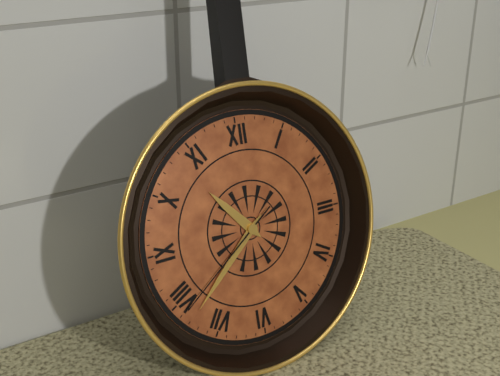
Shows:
10,38,39
